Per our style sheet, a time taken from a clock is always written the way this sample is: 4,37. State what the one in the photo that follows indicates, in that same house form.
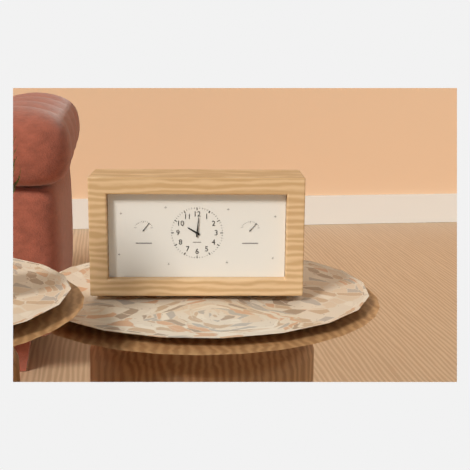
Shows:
10,01
